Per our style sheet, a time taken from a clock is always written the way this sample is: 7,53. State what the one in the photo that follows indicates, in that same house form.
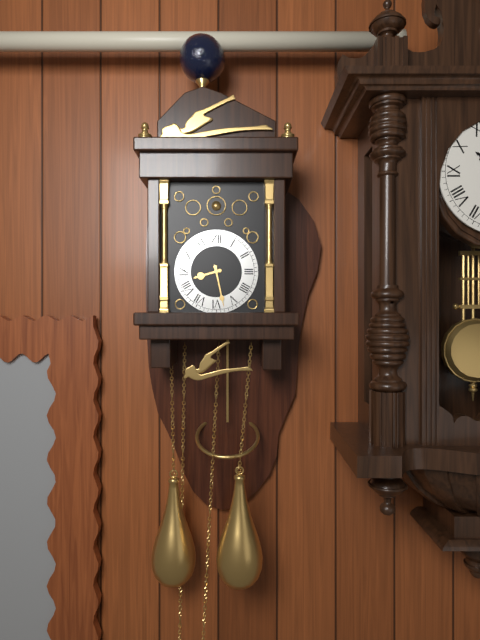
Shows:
8,28
